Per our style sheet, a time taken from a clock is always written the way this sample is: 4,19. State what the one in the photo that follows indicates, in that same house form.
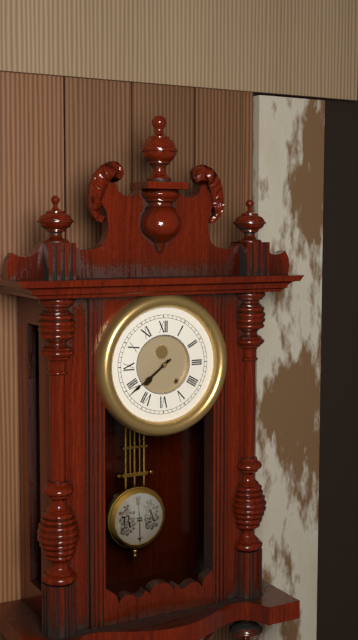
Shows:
7,39
